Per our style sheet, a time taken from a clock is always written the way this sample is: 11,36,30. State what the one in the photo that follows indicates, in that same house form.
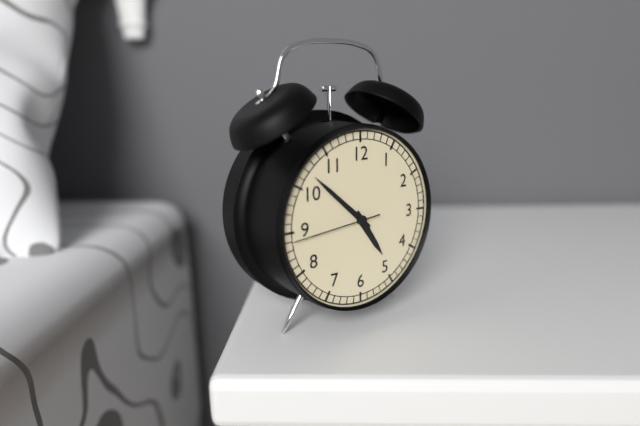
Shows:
4,52,44
